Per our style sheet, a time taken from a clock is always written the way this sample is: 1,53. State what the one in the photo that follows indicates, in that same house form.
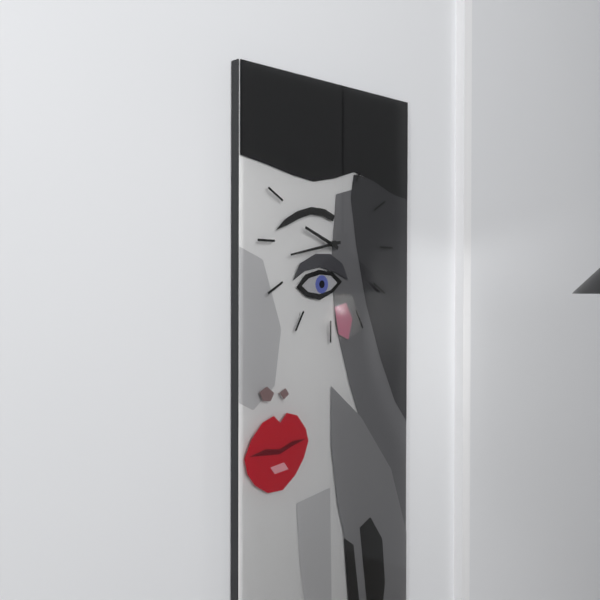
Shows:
9,43
